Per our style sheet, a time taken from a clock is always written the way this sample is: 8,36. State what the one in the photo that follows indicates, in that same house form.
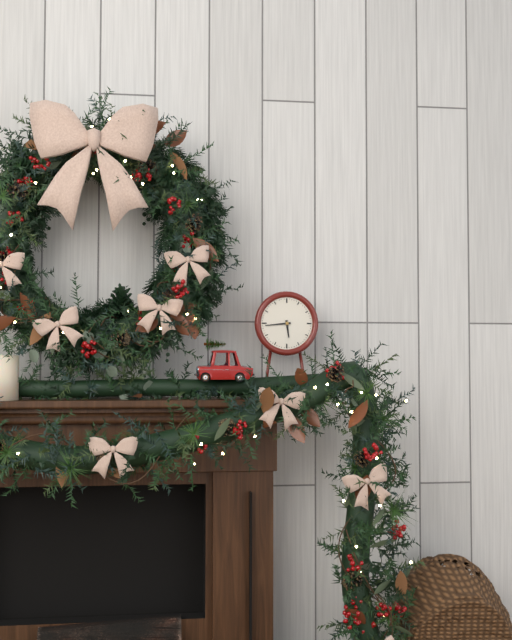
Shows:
5,44
